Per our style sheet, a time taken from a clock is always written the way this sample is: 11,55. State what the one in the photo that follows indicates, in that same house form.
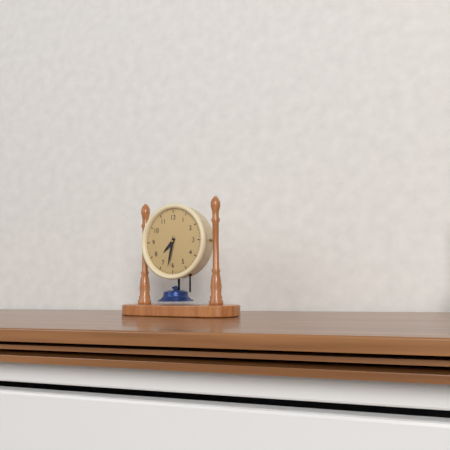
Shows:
7,32
